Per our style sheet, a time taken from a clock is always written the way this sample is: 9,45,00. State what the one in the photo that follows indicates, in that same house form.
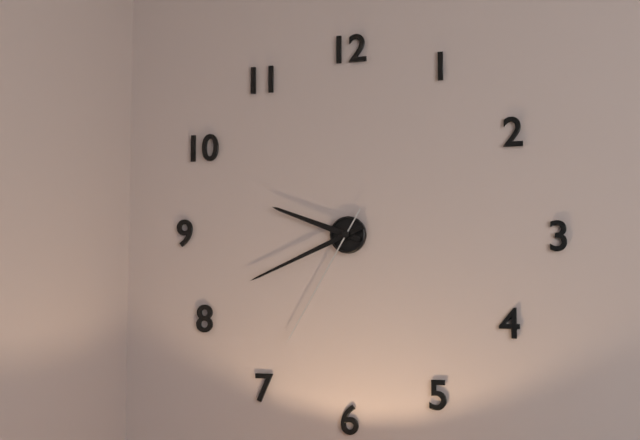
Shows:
9,41,35
